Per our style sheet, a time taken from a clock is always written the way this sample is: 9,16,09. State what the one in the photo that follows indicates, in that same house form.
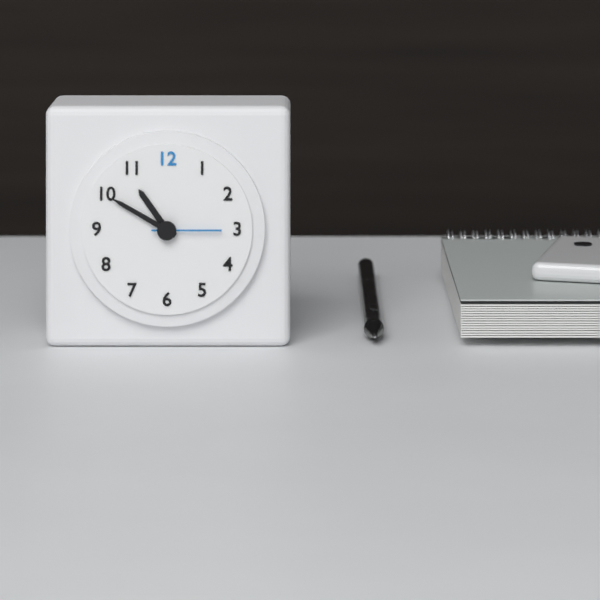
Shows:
10,50,15
